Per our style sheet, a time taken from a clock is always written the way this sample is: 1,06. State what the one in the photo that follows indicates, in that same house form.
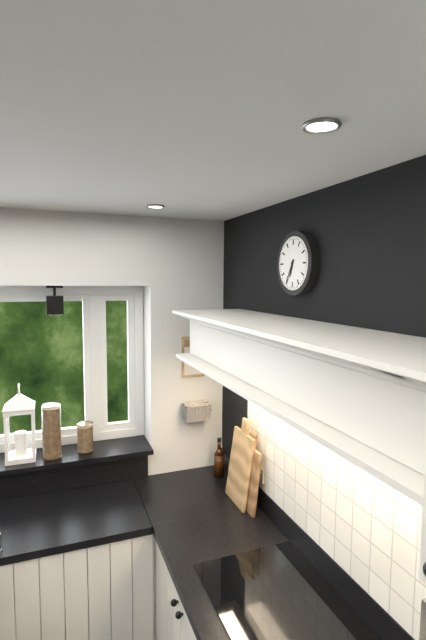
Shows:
6,35
